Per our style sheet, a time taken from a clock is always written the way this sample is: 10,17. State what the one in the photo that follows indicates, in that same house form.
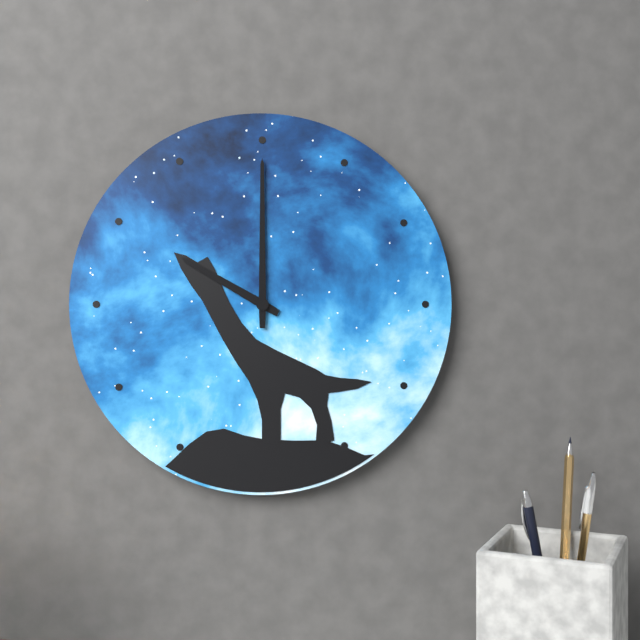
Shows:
10,00
